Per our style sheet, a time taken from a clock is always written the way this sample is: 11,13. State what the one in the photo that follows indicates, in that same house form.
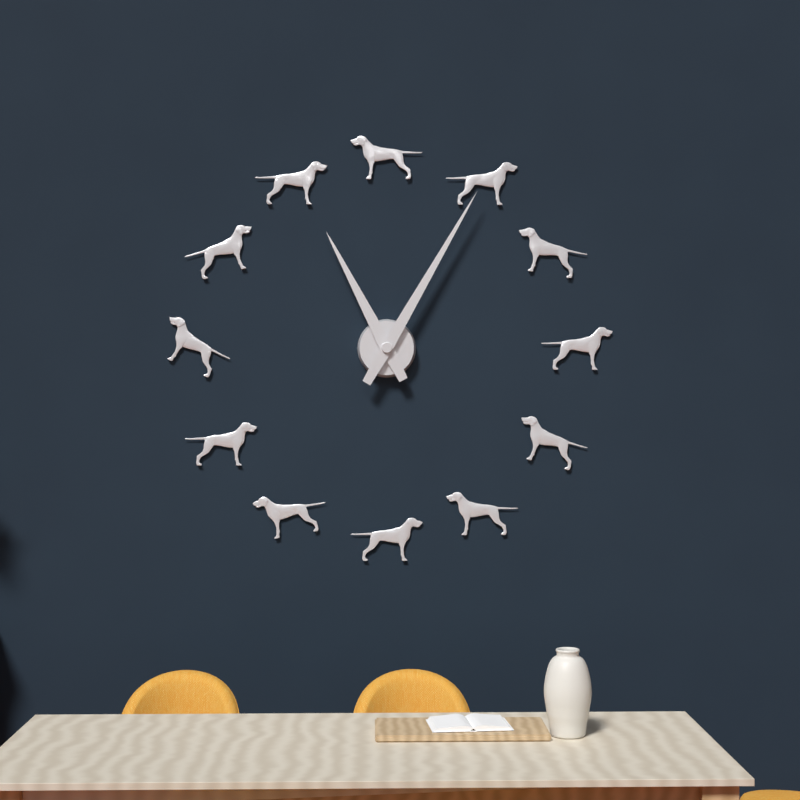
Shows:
11,05
